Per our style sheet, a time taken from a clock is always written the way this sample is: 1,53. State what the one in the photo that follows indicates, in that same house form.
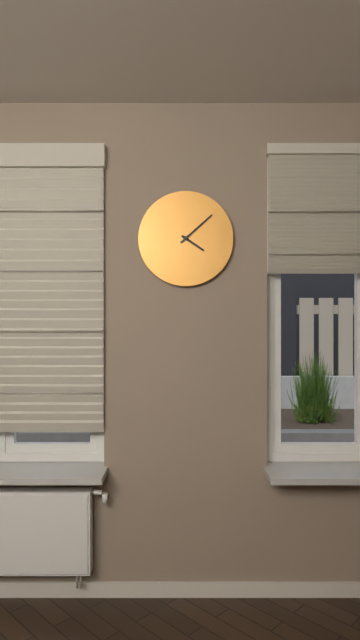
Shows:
4,08
